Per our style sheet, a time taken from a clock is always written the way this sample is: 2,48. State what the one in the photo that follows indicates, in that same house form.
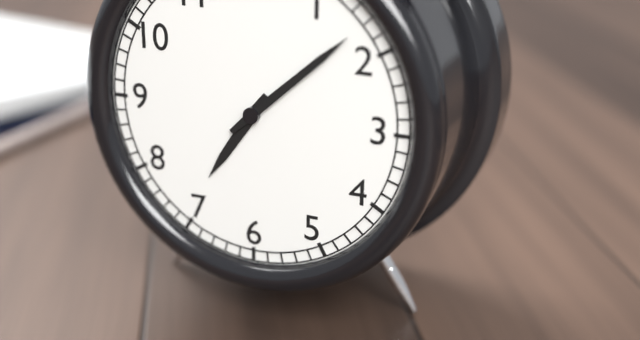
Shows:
7,08
